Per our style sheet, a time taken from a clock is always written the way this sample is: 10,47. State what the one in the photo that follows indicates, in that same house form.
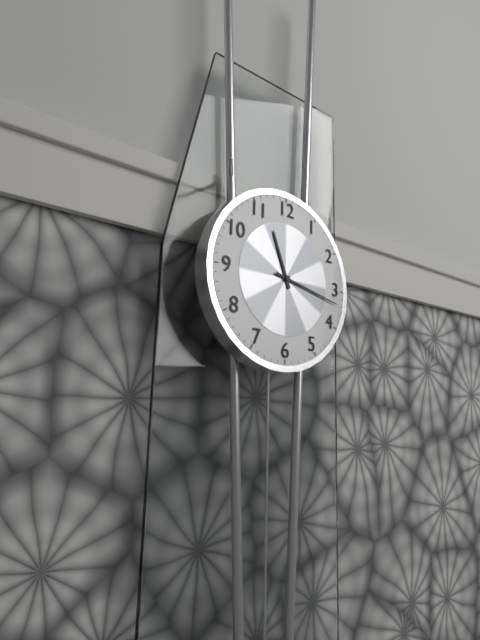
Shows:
11,17
